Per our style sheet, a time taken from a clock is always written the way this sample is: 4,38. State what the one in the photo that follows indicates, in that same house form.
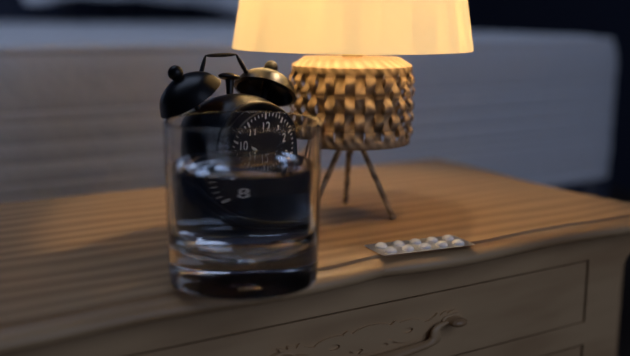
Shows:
10,19
